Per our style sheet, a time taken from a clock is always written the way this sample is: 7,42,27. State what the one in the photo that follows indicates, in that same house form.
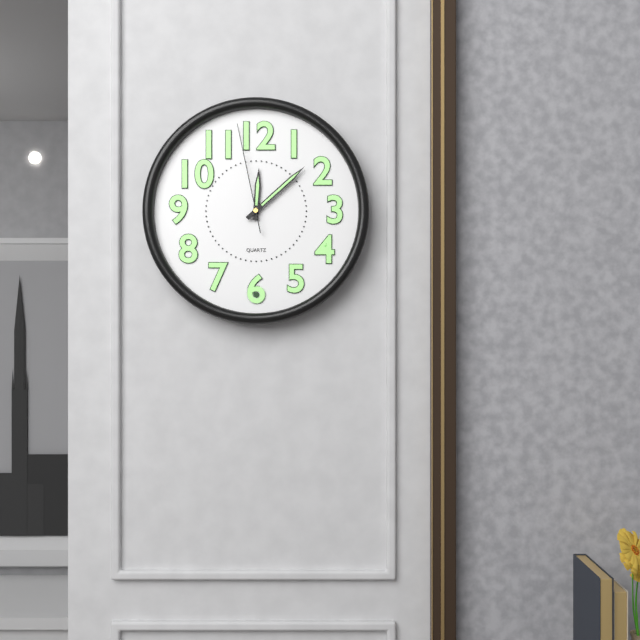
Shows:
12,08,58
